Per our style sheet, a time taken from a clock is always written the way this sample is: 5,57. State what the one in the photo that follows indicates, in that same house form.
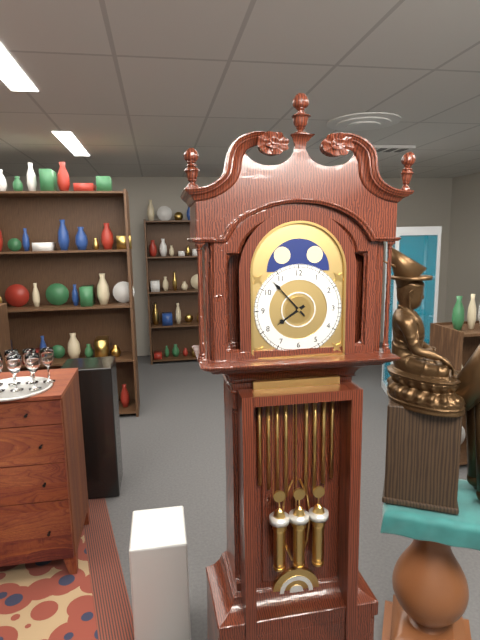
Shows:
7,53
